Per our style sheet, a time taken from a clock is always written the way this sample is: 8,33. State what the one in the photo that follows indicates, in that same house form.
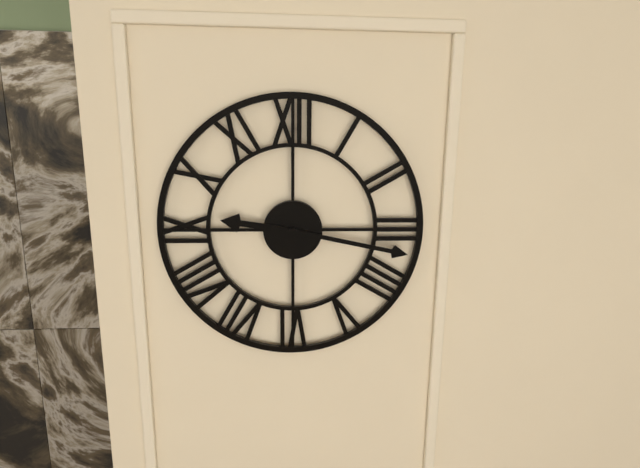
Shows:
9,17
